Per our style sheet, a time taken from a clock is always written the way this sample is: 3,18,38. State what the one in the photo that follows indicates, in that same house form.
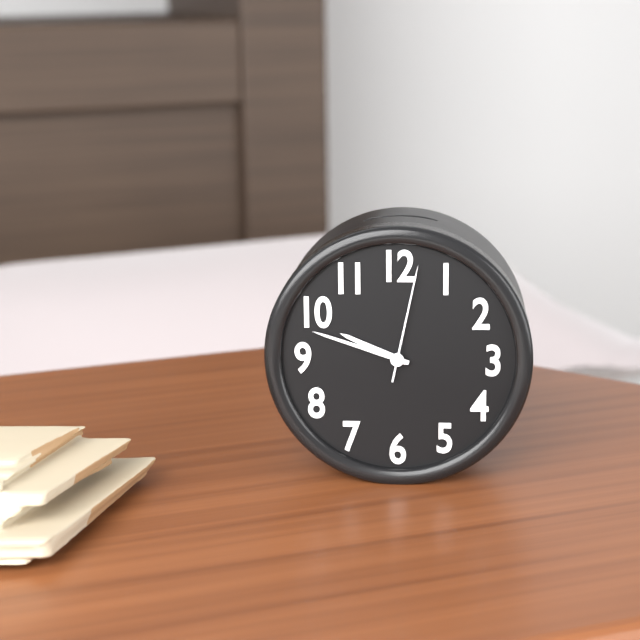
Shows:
9,48,02
